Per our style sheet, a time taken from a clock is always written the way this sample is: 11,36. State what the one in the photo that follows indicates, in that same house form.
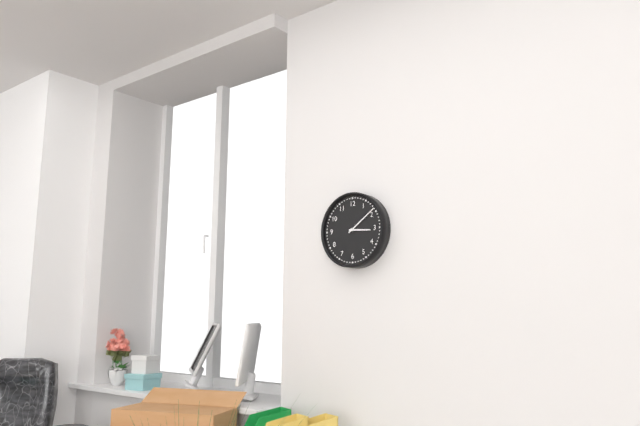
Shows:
3,09
